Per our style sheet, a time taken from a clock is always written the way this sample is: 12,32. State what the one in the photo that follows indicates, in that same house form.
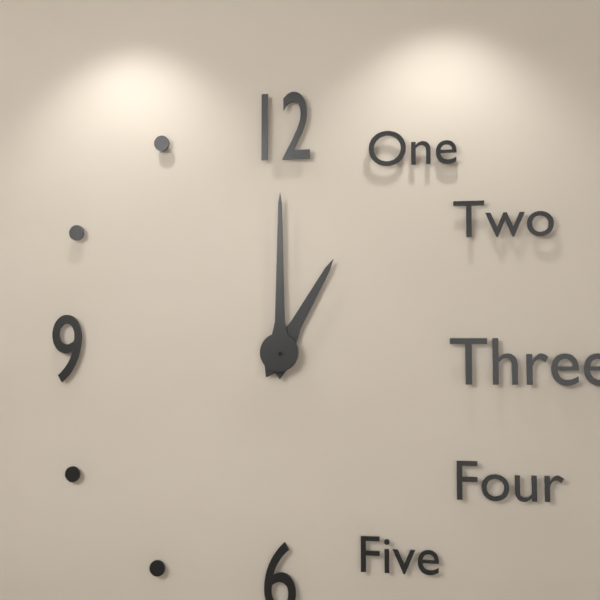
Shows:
1,00
